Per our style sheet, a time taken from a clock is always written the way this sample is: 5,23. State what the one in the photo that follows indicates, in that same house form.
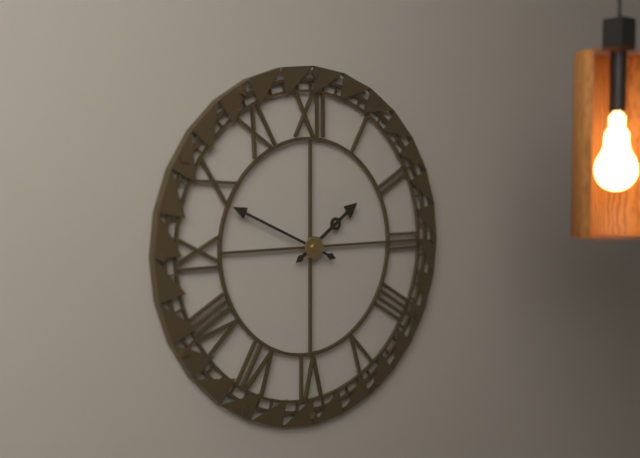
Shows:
1,49
